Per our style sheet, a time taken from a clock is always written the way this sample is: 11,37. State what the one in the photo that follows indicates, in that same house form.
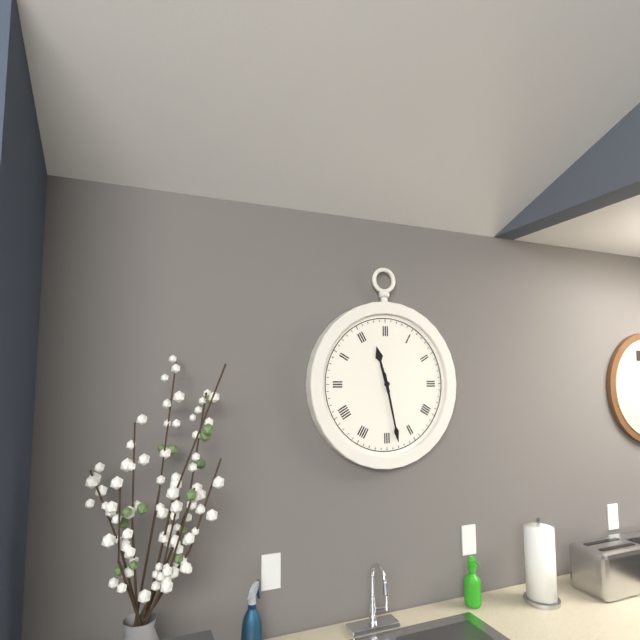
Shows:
11,28
